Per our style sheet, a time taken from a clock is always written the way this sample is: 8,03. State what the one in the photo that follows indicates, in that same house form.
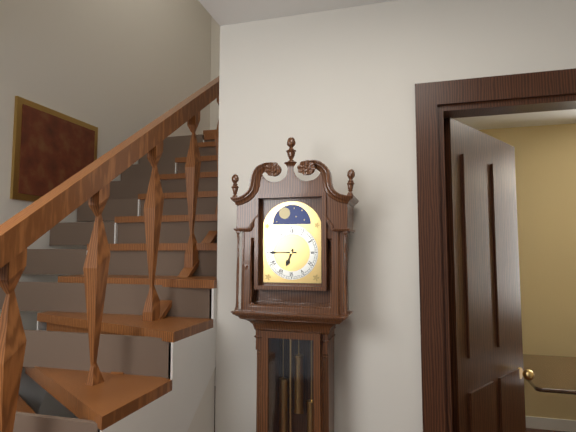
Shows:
6,45
